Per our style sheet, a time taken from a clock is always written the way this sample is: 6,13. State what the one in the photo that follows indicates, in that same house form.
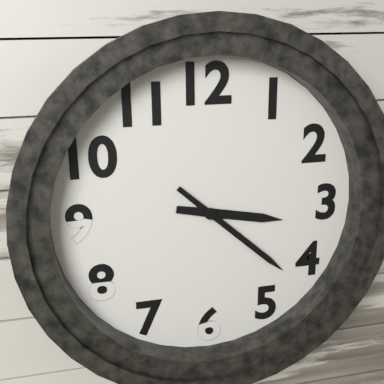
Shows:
3,22
